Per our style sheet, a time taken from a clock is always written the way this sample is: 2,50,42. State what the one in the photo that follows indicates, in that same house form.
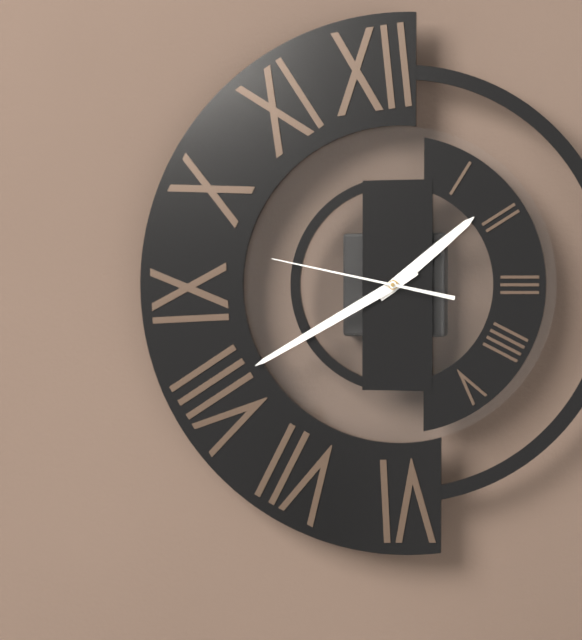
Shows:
1,40,47
